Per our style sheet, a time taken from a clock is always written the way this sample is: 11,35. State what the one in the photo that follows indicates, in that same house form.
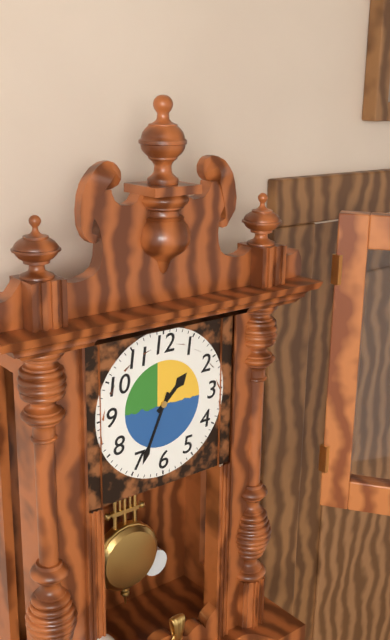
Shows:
1,34
